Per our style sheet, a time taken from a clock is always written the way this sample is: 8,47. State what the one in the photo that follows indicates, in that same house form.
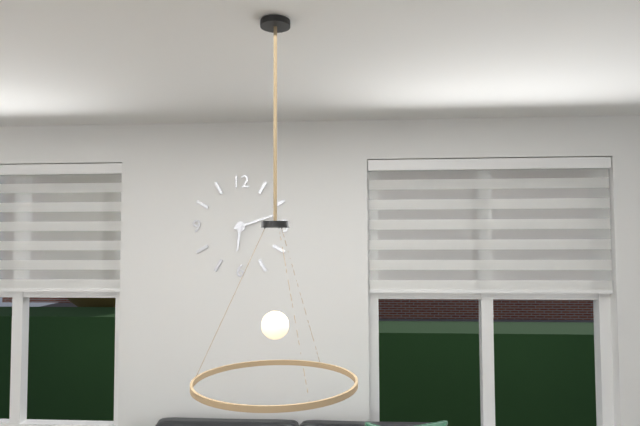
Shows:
6,12
